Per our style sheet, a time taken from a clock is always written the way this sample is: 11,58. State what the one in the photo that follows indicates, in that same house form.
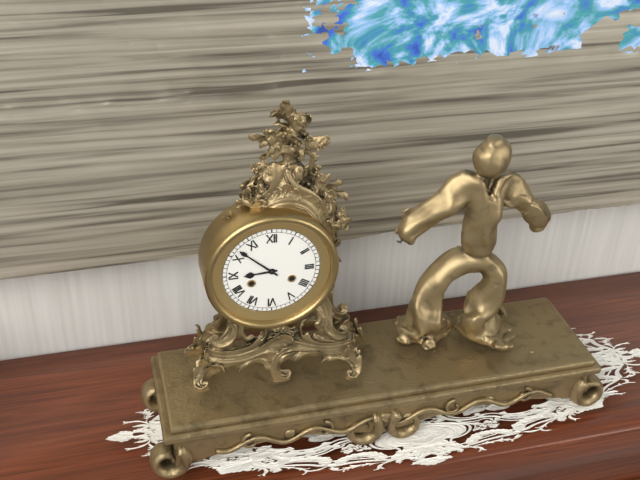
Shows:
8,52
